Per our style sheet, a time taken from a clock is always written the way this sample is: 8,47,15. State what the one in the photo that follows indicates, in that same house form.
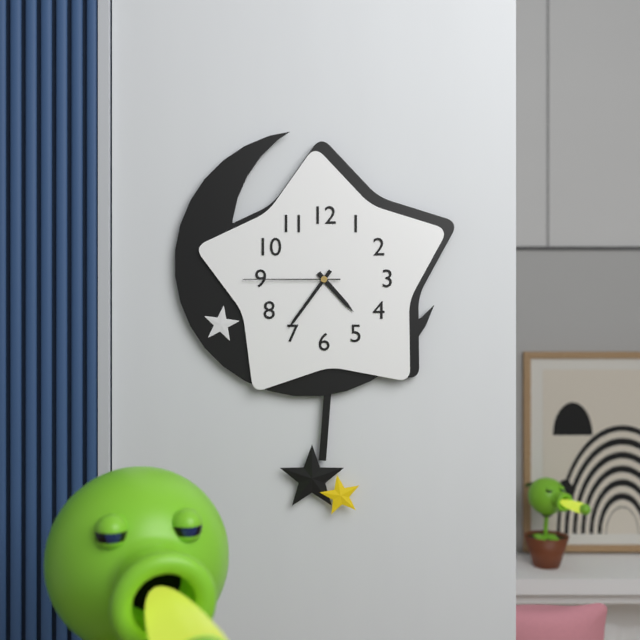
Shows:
4,36,45
